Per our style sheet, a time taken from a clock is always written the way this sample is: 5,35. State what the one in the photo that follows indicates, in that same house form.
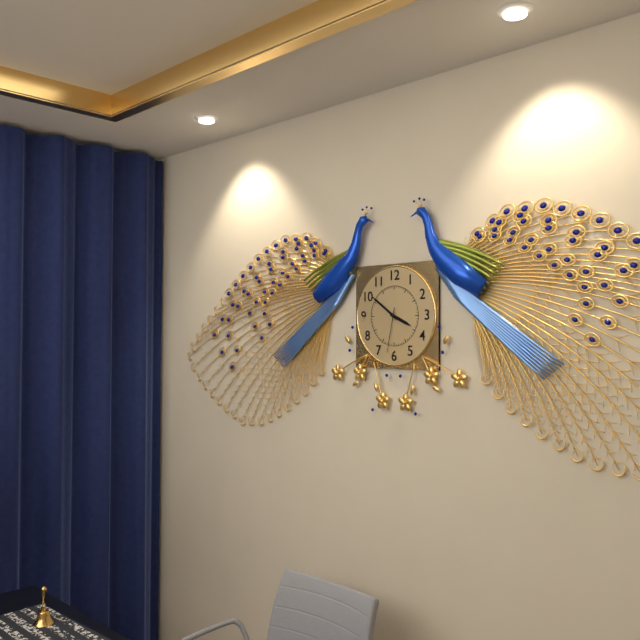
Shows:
3,51
